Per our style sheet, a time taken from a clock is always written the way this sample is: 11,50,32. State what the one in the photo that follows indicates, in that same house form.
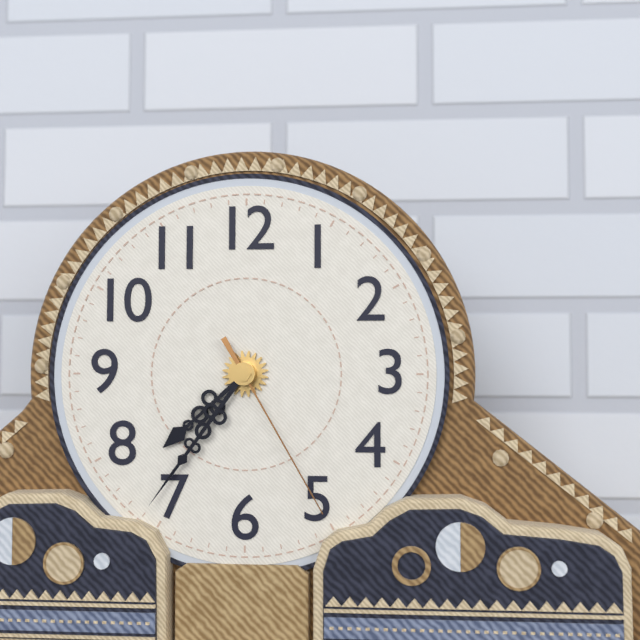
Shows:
7,36,25
